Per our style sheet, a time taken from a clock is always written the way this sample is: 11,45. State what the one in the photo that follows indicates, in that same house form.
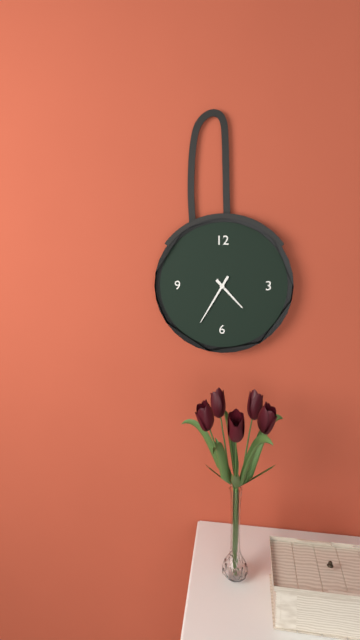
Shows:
4,35
